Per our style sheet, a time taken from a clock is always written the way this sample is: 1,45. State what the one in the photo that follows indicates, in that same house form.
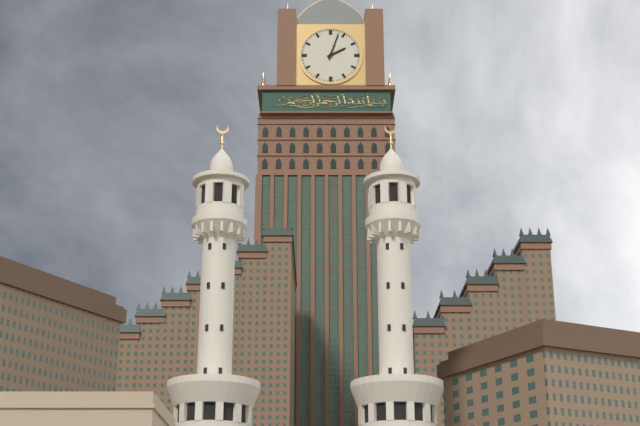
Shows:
2,03
